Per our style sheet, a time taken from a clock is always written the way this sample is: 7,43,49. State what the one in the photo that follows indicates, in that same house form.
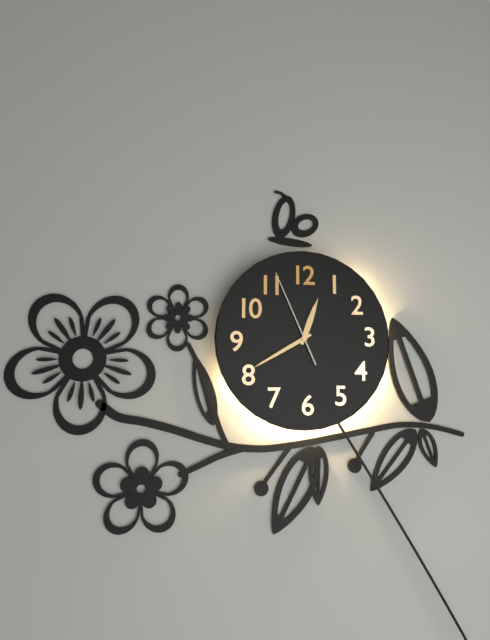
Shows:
12,40,56
